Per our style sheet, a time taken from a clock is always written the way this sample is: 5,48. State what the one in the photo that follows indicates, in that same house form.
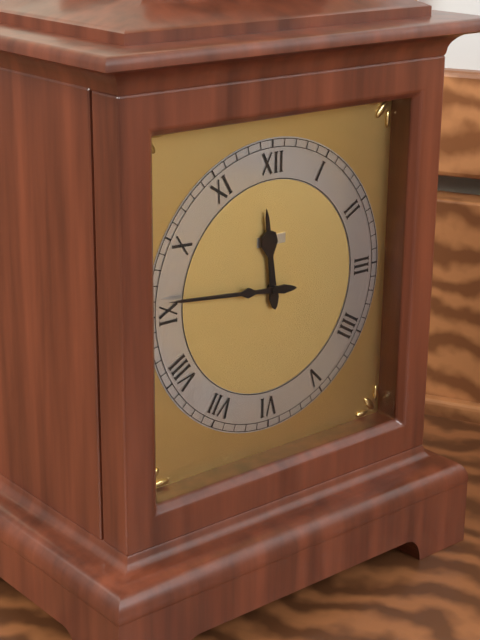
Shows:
11,46
